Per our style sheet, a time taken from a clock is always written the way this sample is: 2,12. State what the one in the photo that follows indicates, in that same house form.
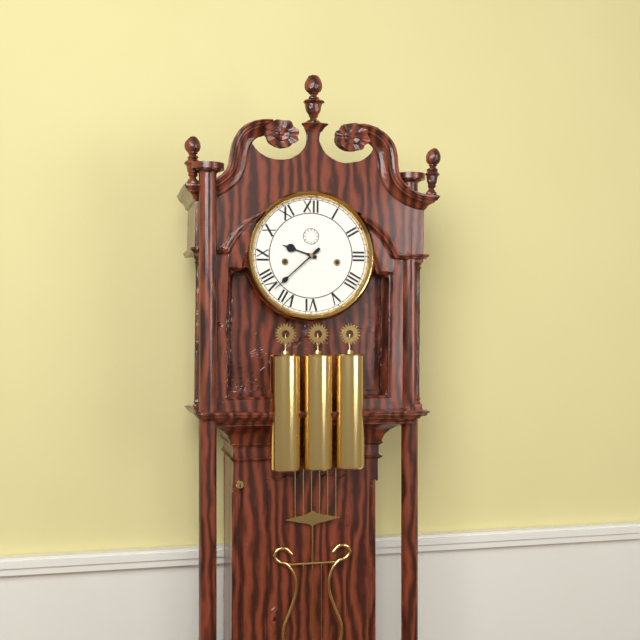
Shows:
9,38
